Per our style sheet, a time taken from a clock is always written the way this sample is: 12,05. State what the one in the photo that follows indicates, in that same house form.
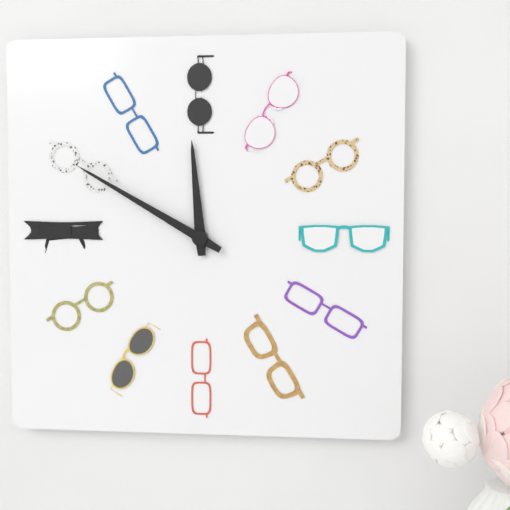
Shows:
11,50
